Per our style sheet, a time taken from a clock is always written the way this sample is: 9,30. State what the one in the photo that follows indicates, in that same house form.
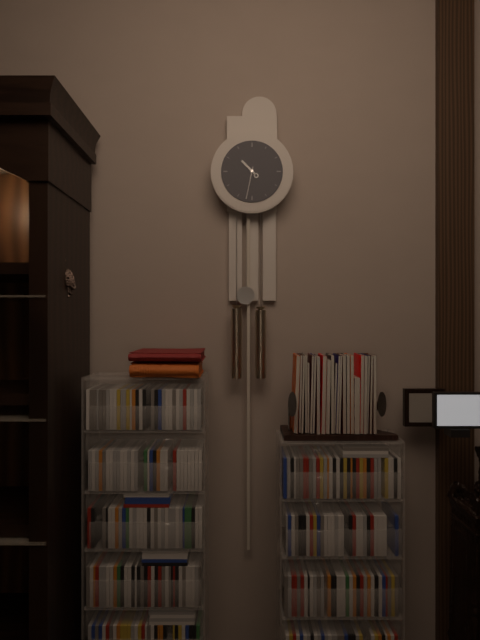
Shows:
10,32
